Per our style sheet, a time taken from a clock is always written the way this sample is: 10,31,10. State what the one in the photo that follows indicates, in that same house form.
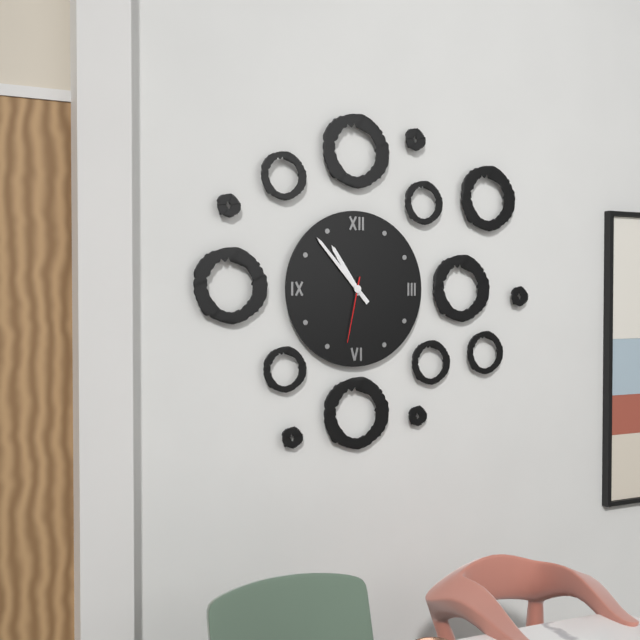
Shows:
10,53,32
